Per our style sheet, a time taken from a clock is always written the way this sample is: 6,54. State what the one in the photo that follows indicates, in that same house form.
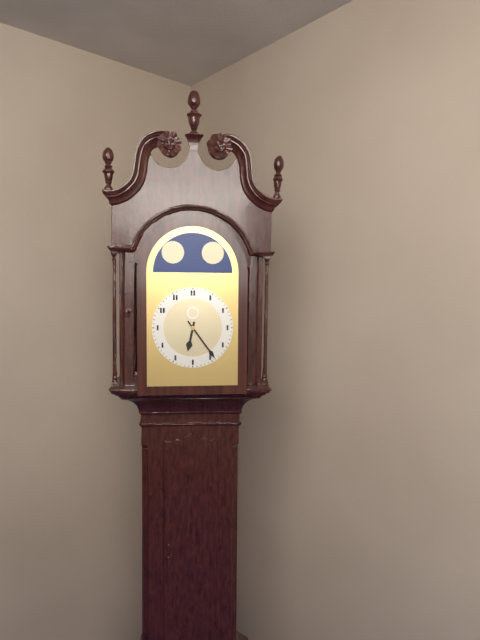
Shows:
6,24
